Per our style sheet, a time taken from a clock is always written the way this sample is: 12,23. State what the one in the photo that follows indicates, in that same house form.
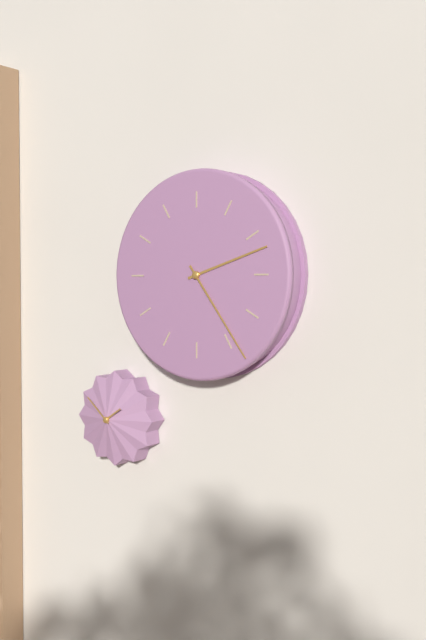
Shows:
2,24
